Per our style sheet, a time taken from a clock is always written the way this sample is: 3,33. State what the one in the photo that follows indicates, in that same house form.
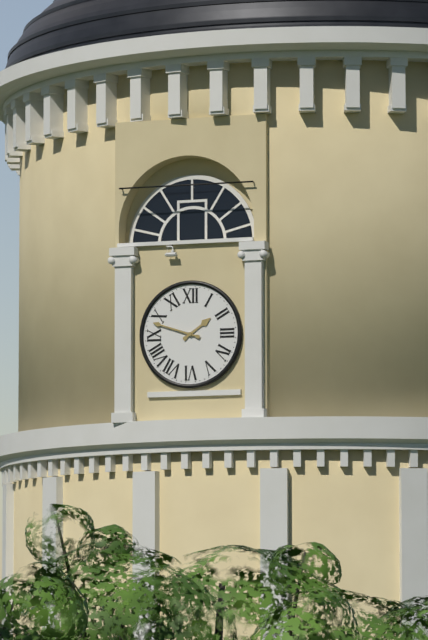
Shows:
1,48
